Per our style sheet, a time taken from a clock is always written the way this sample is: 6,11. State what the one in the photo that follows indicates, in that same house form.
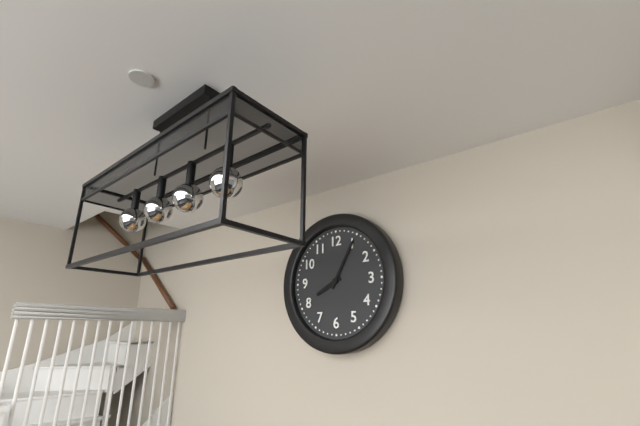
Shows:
8,05
